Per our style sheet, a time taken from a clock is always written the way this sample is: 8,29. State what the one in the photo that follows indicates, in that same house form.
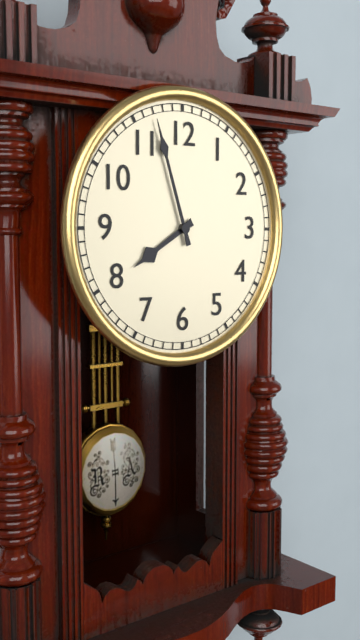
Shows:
7,57
